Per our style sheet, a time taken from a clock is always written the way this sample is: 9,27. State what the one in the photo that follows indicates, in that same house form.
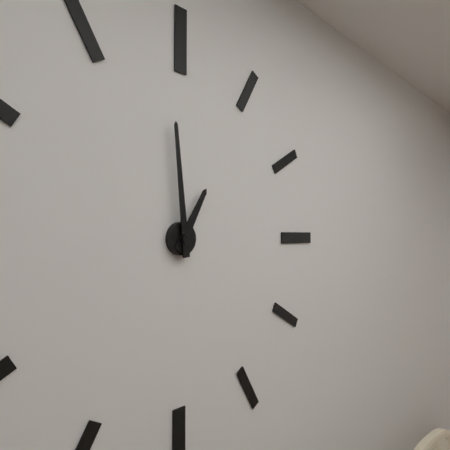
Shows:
12,59
